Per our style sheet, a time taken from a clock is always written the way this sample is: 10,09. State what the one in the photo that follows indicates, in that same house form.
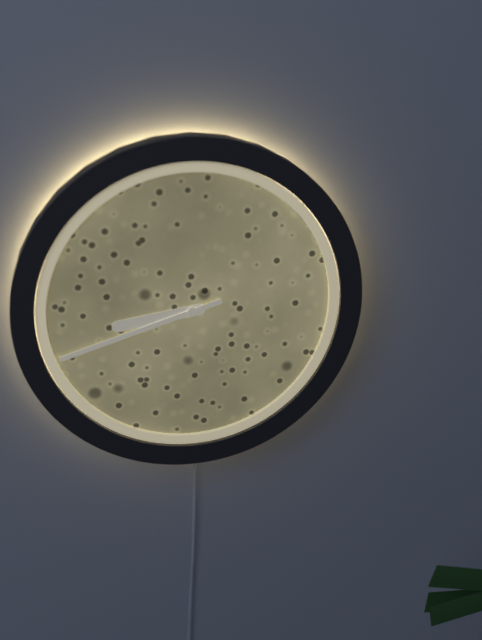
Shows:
8,42
